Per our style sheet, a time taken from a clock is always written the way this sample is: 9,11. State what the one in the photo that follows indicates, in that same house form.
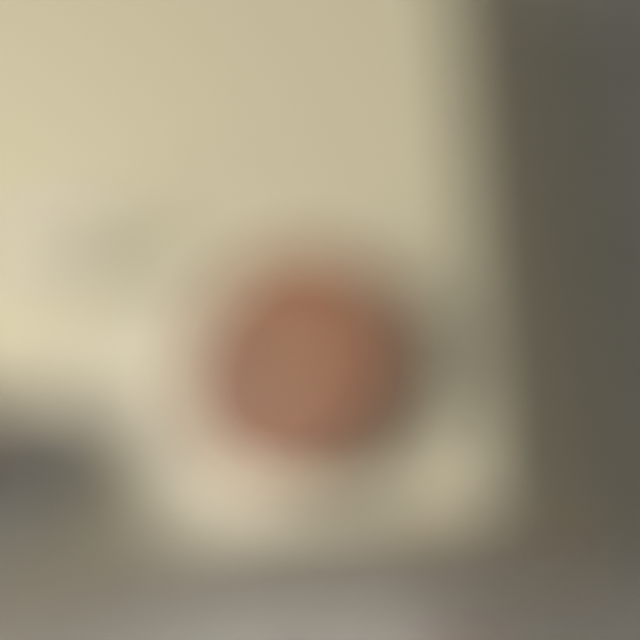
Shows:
9,43
